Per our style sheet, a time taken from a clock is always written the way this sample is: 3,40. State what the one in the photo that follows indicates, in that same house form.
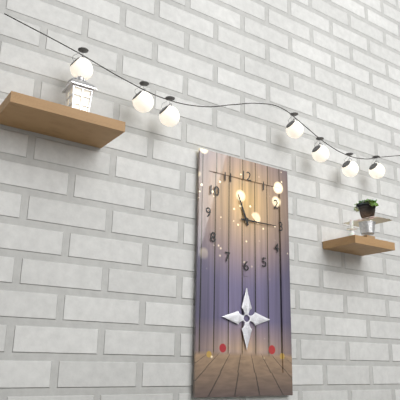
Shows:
11,15
